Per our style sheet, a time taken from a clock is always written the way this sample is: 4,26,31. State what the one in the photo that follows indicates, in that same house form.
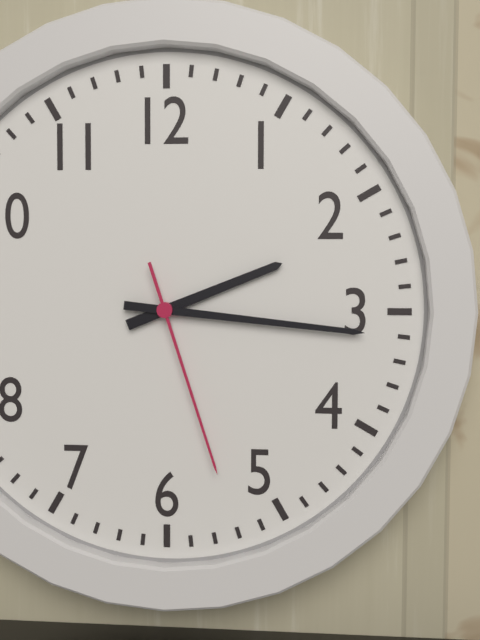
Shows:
2,16,27
